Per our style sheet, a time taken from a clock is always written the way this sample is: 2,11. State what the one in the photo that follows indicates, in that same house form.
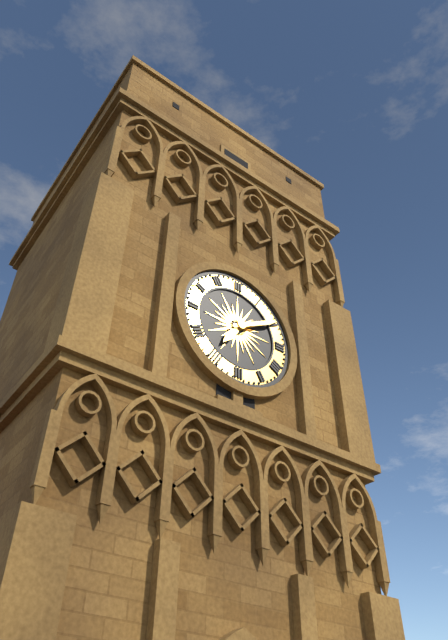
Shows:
7,10
